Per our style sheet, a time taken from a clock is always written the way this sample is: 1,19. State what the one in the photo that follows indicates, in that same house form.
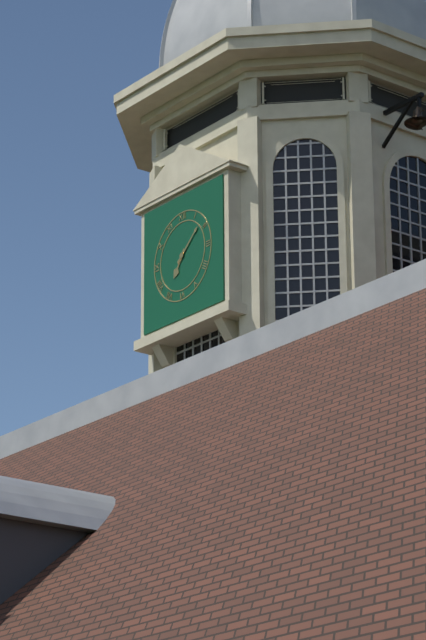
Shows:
7,08
